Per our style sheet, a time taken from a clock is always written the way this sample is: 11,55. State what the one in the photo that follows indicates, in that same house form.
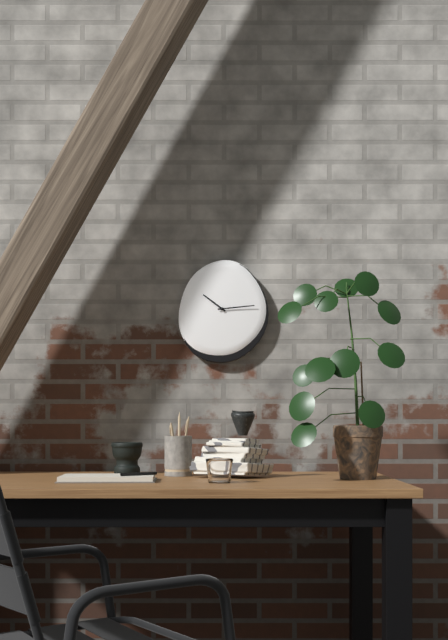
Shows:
10,14
